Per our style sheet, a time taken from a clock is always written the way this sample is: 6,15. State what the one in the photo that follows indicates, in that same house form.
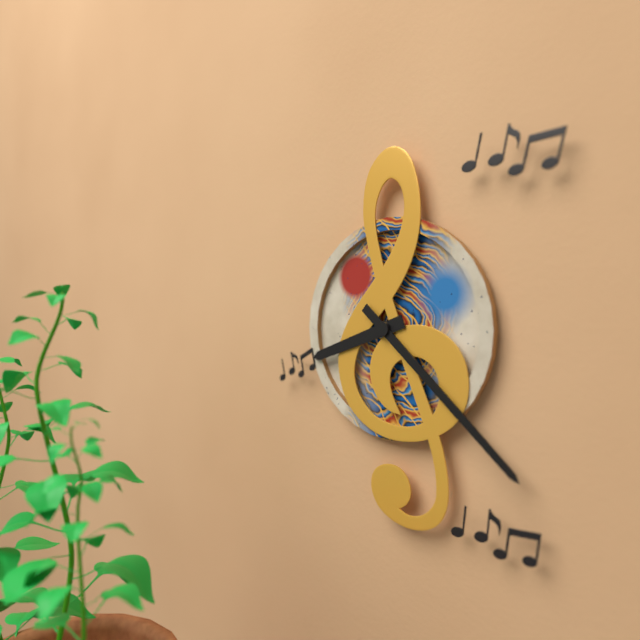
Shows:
8,22
